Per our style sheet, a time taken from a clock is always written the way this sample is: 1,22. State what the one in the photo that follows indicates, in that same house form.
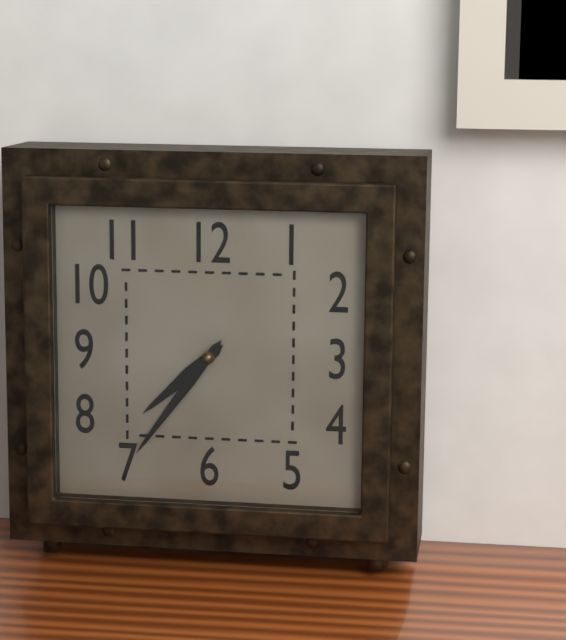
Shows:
7,36
